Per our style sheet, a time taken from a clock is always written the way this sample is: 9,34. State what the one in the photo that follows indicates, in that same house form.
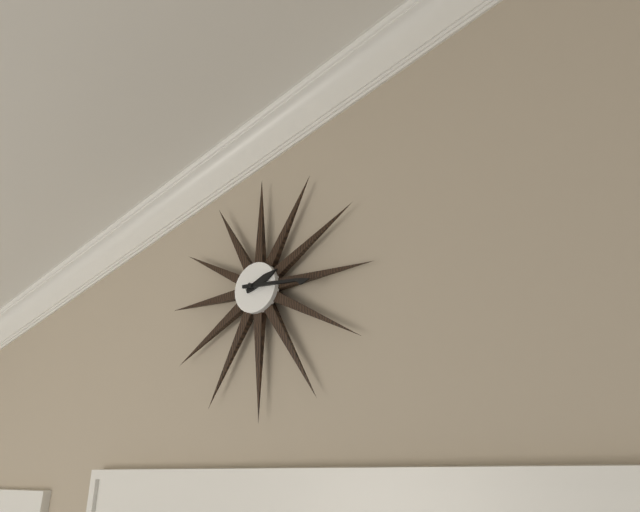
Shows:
2,16
